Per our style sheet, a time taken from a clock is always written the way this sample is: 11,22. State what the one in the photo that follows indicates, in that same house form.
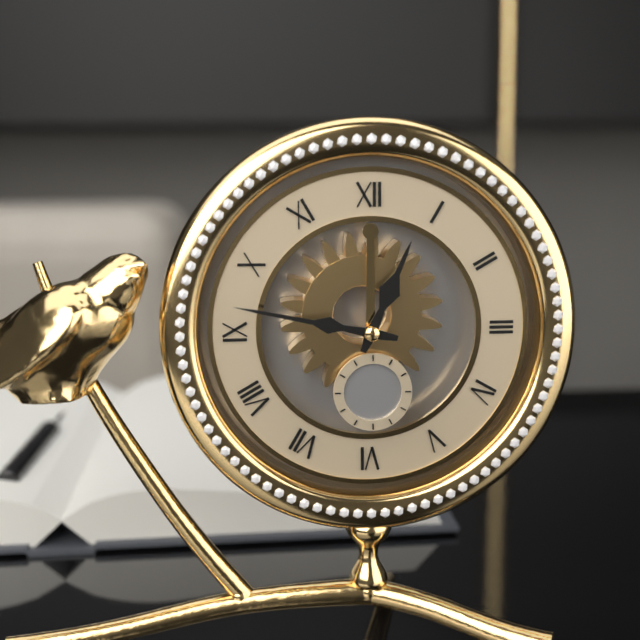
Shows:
12,47
